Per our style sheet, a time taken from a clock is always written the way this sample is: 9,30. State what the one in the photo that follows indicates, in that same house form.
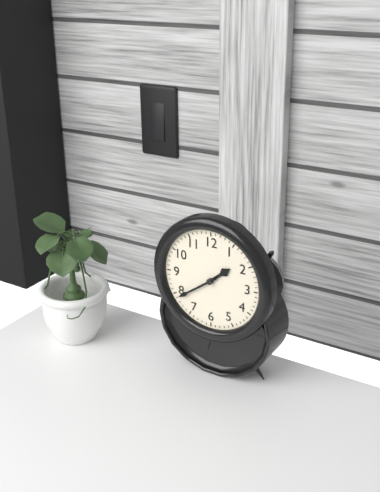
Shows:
1,39
